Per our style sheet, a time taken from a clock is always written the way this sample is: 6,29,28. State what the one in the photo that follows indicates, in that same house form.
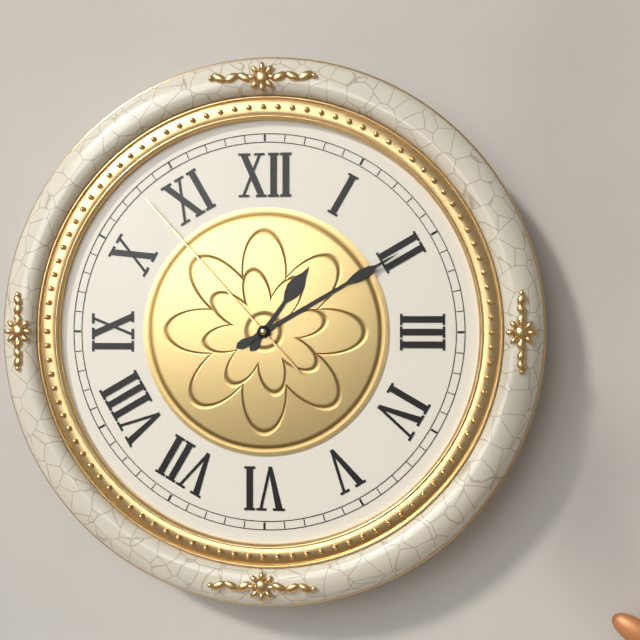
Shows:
1,10,53
